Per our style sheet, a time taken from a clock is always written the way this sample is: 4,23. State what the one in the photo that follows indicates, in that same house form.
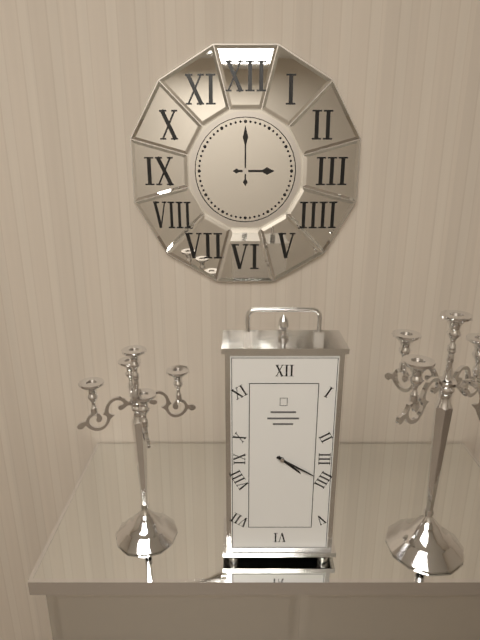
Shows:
3,00
